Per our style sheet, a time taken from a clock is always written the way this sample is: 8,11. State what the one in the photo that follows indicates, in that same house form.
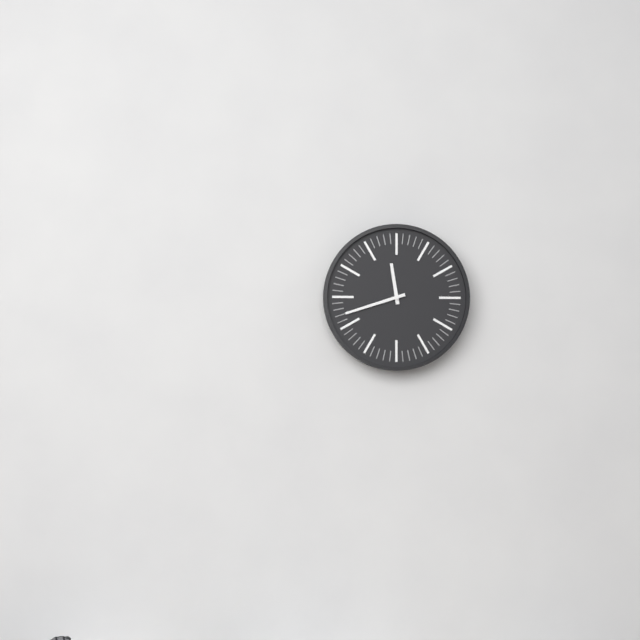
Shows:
11,42
